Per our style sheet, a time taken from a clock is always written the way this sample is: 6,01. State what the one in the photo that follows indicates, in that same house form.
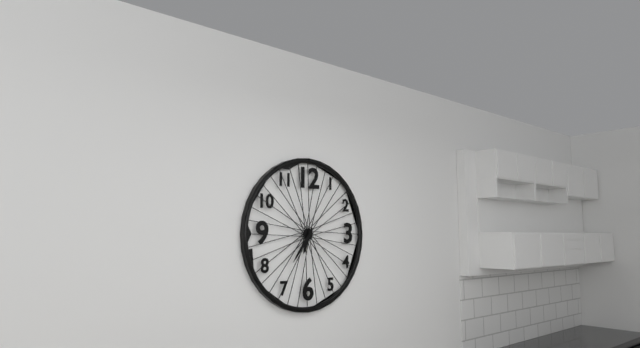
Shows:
6,36
